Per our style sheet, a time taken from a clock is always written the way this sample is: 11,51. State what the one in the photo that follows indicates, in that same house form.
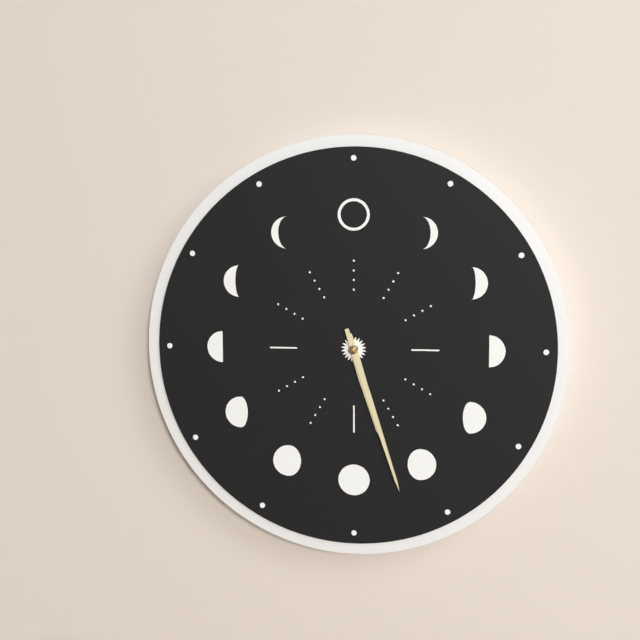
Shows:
5,27
